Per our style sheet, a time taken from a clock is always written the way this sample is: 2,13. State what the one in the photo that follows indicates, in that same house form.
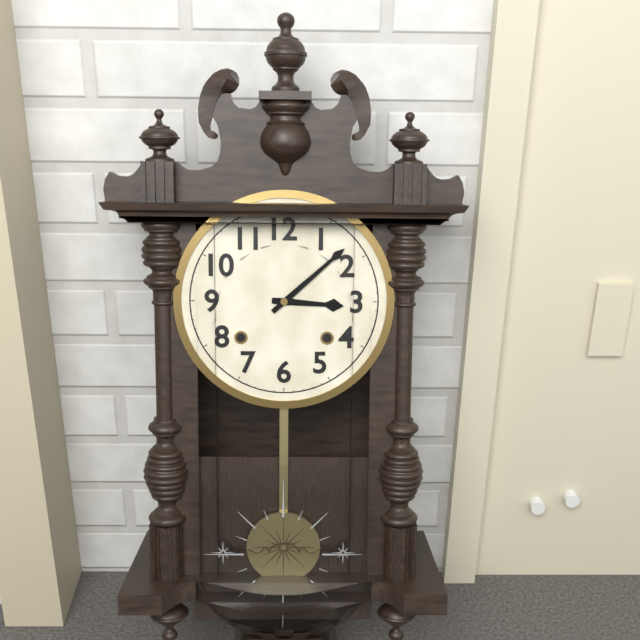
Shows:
3,08
